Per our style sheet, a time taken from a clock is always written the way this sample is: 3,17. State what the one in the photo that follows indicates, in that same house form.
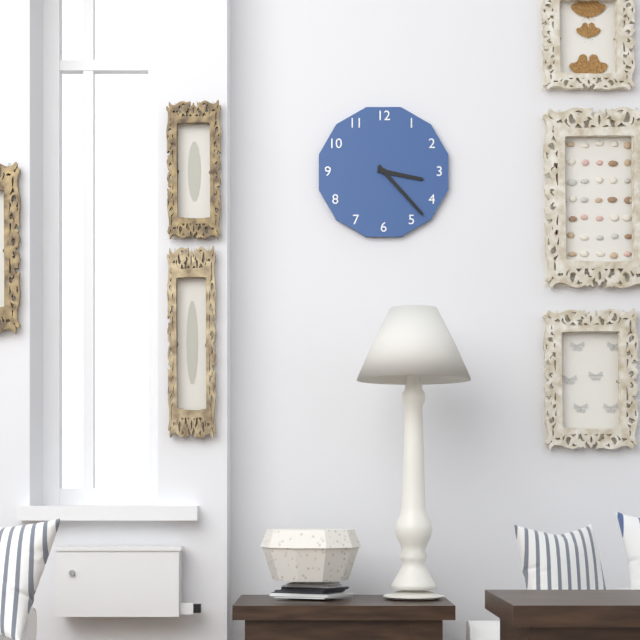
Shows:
3,23
